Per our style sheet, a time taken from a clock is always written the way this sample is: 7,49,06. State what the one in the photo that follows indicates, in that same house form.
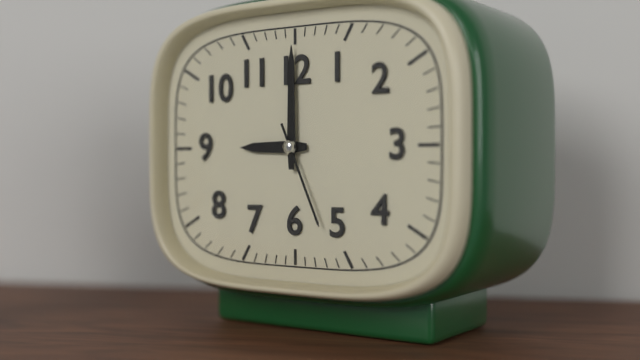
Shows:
9,00,26
